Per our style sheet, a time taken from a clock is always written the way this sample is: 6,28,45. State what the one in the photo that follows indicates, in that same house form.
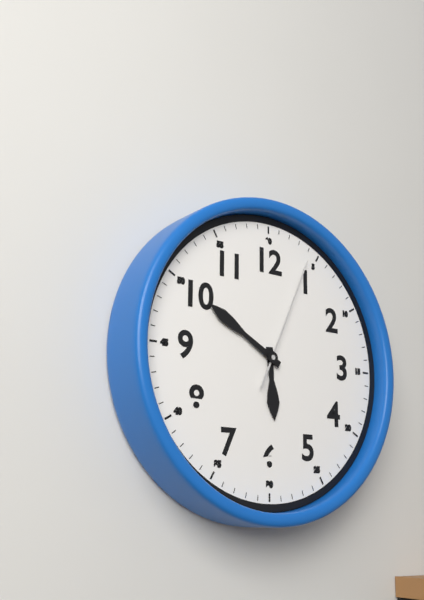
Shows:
5,50,04
